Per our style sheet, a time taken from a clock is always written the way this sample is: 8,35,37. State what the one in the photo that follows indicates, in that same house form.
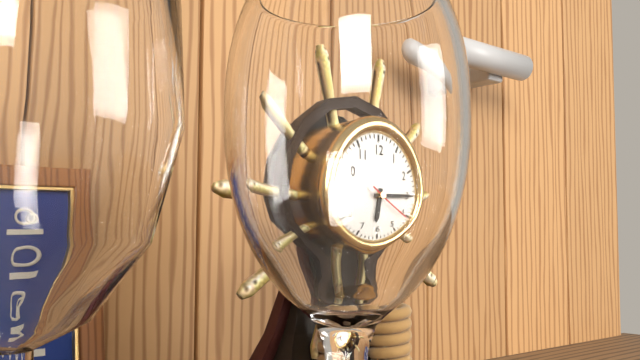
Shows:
6,15,21
